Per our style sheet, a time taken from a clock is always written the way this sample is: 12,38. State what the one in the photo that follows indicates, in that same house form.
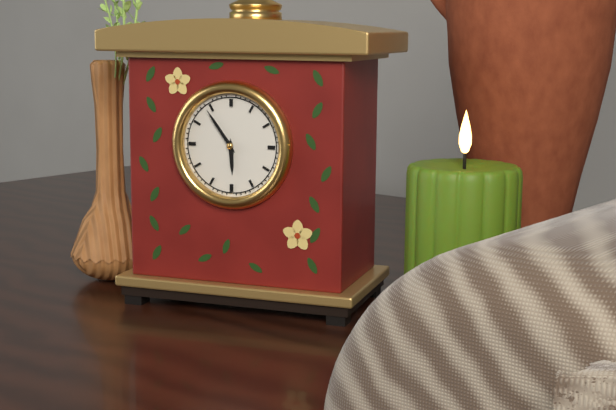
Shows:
5,54
